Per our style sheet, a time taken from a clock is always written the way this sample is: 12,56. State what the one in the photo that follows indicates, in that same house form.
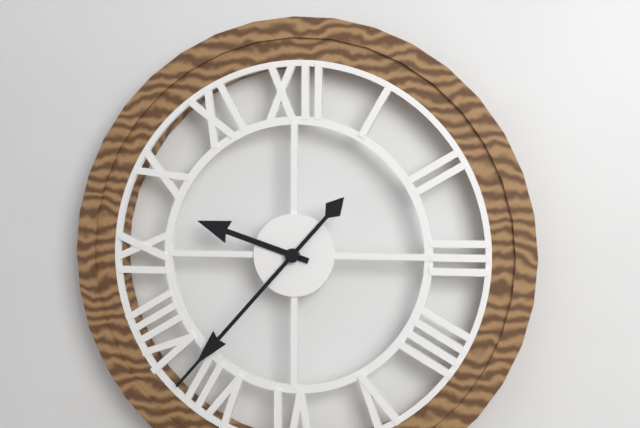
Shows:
9,37
